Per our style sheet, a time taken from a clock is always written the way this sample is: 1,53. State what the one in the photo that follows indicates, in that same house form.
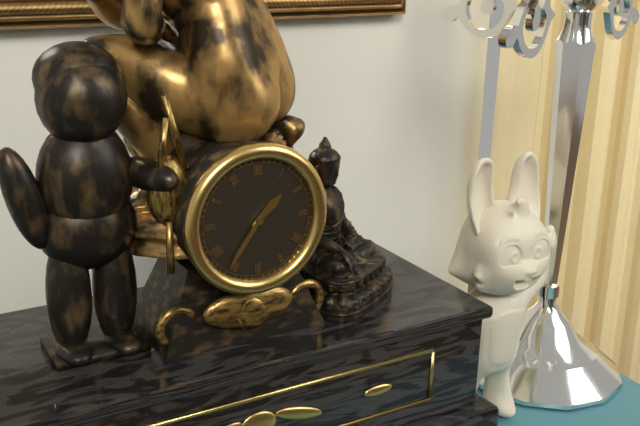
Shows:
1,36
